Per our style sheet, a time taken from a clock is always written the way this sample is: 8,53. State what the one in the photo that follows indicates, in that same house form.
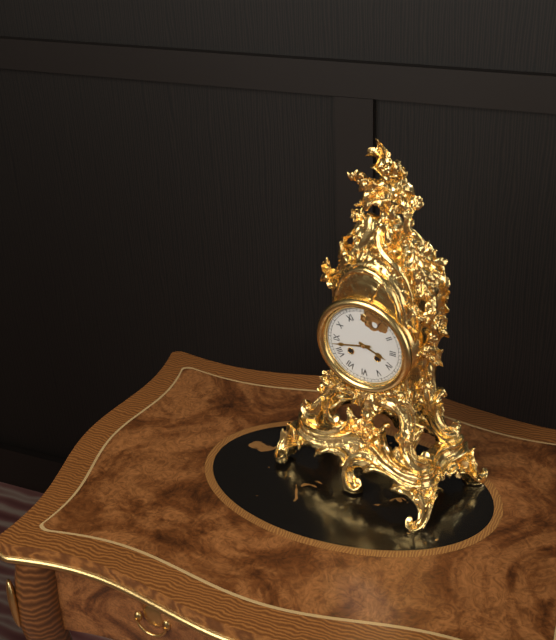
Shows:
3,43
